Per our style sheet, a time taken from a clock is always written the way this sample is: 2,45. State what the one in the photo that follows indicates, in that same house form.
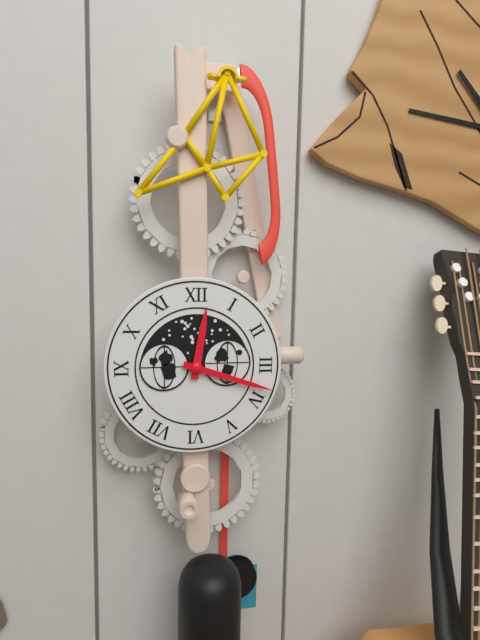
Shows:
12,18
